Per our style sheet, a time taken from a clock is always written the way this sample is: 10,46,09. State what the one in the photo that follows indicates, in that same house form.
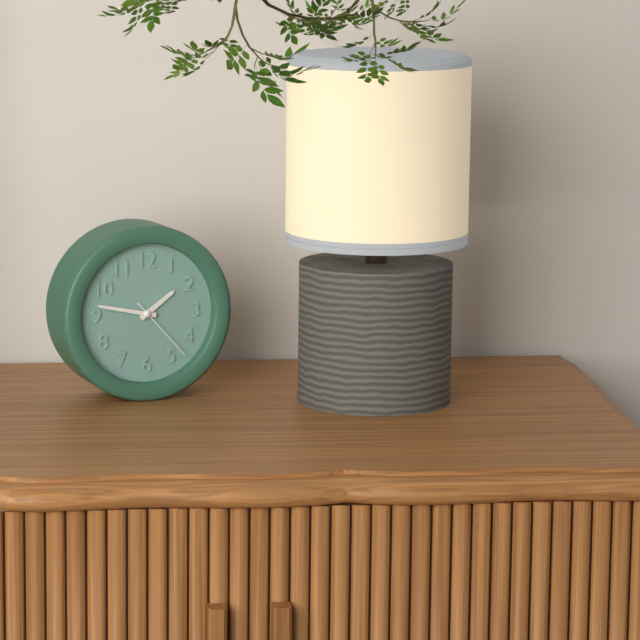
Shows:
1,47,23
